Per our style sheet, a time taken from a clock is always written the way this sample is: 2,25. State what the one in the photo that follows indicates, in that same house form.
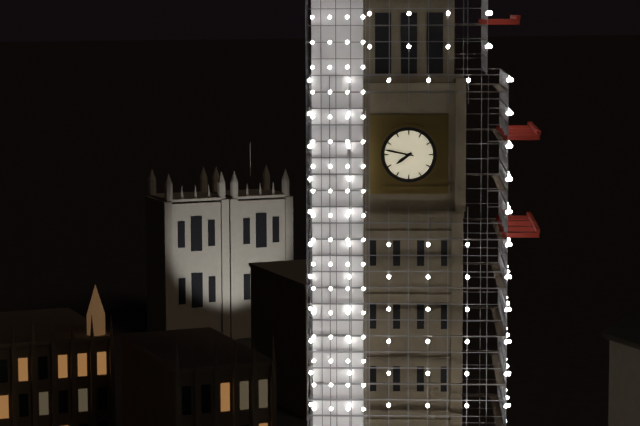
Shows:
7,47
